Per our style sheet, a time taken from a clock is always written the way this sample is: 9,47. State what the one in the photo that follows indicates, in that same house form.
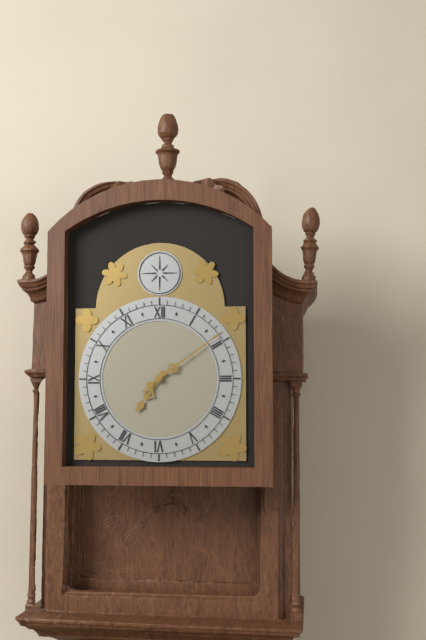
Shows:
7,09
